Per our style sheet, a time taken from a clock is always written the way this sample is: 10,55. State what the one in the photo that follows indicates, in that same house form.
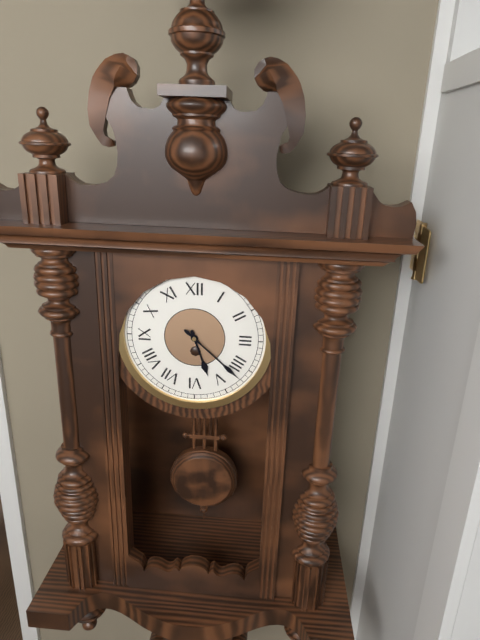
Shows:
5,22
